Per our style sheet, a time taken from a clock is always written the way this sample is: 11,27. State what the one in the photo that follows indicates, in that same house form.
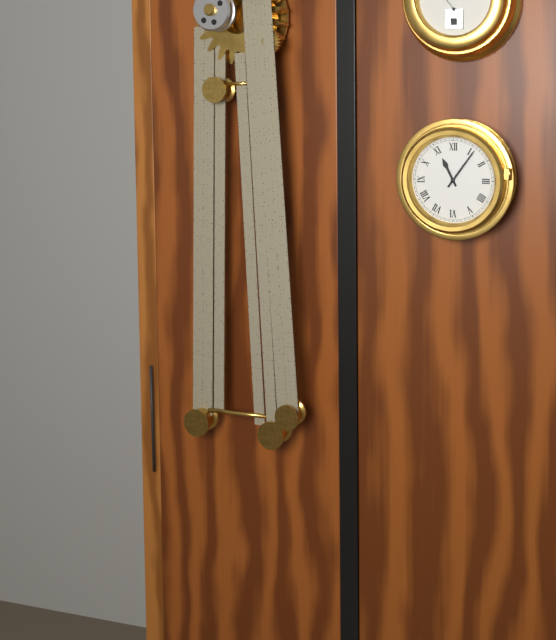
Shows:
11,06
